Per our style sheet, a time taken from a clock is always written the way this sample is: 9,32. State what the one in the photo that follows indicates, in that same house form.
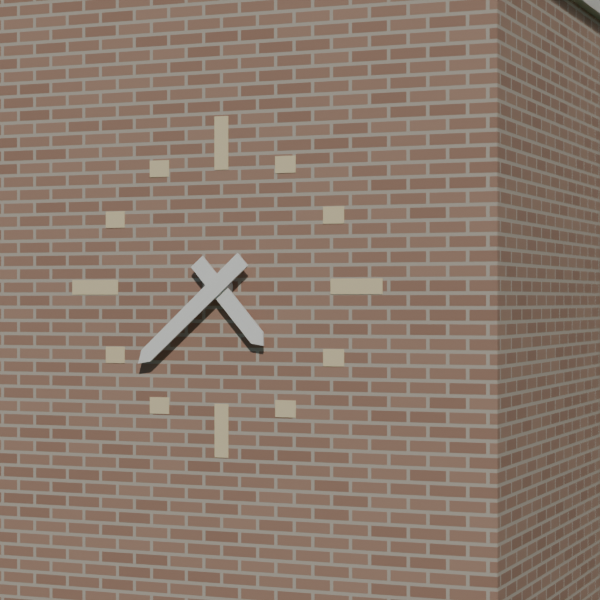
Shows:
4,38
